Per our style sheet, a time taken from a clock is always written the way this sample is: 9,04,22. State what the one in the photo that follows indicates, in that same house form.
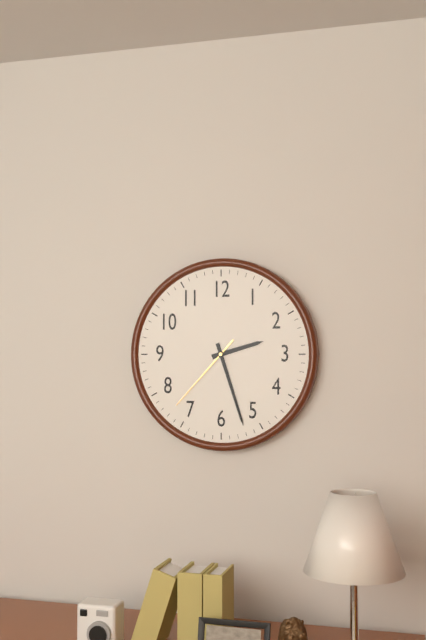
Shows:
2,27,37
